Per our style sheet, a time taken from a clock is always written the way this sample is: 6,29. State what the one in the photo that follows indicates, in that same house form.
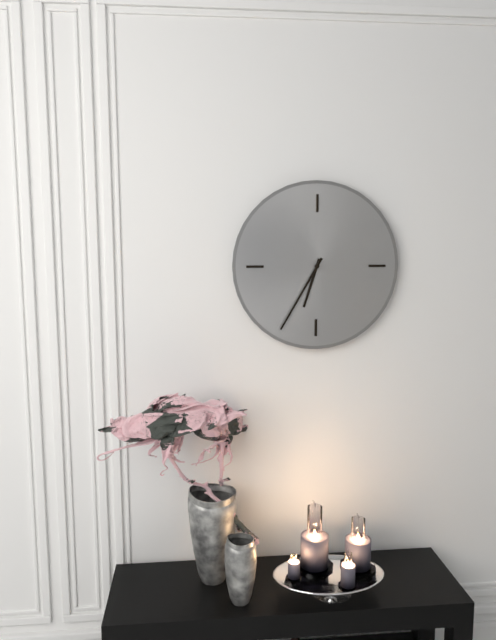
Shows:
6,35
